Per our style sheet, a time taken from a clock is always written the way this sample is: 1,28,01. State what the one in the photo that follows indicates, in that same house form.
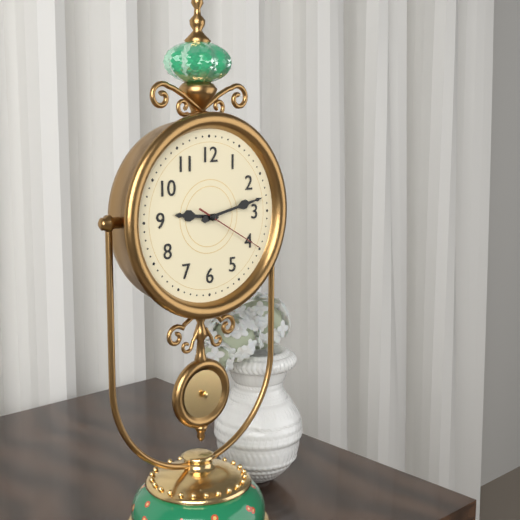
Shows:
9,13,20
